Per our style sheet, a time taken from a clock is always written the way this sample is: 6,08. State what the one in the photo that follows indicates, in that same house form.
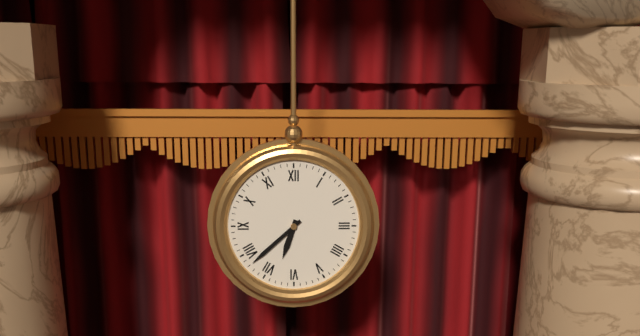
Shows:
6,38
